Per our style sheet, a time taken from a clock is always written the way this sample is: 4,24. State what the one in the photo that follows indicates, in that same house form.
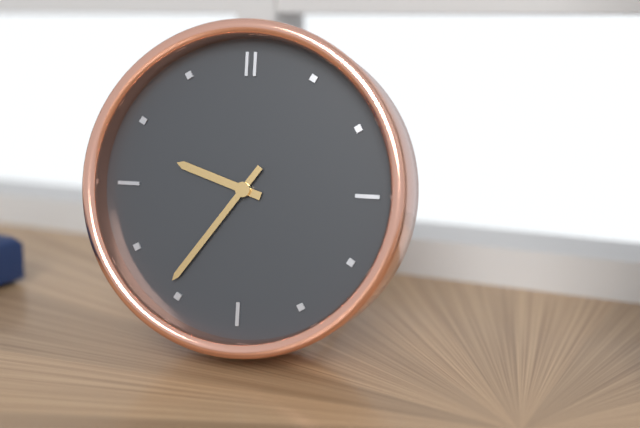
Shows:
9,36
